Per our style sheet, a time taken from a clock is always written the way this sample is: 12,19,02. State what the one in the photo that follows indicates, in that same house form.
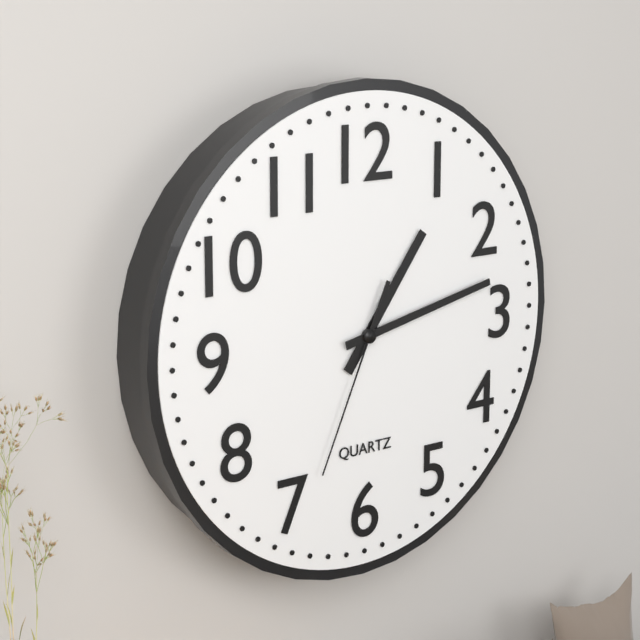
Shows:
1,13,34
